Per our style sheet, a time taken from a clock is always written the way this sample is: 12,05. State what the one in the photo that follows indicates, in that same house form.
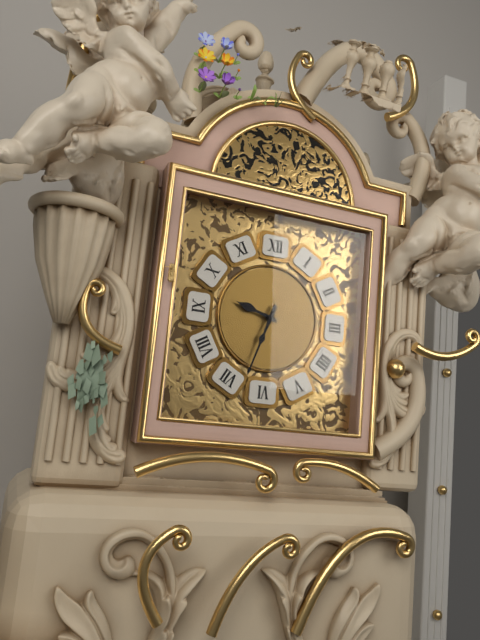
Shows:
9,33
